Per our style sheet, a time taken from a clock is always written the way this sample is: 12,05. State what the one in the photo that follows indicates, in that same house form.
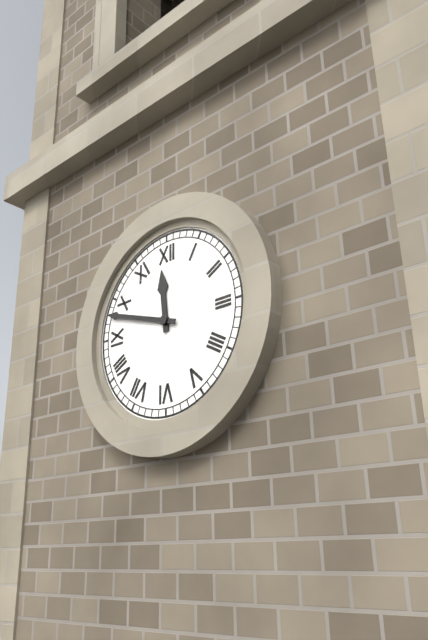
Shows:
11,48
